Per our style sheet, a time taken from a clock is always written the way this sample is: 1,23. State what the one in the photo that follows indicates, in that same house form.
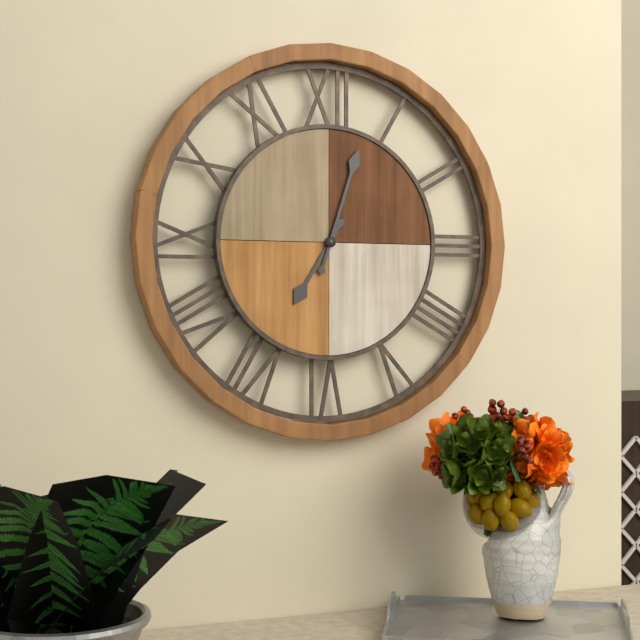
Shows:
7,03
